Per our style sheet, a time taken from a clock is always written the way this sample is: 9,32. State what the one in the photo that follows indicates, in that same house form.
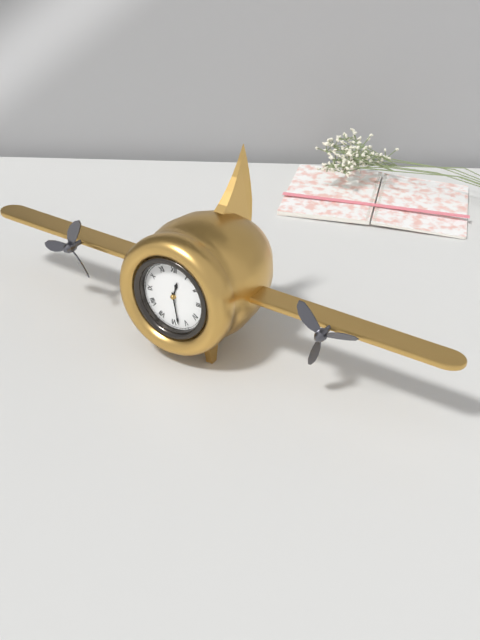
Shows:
12,28
